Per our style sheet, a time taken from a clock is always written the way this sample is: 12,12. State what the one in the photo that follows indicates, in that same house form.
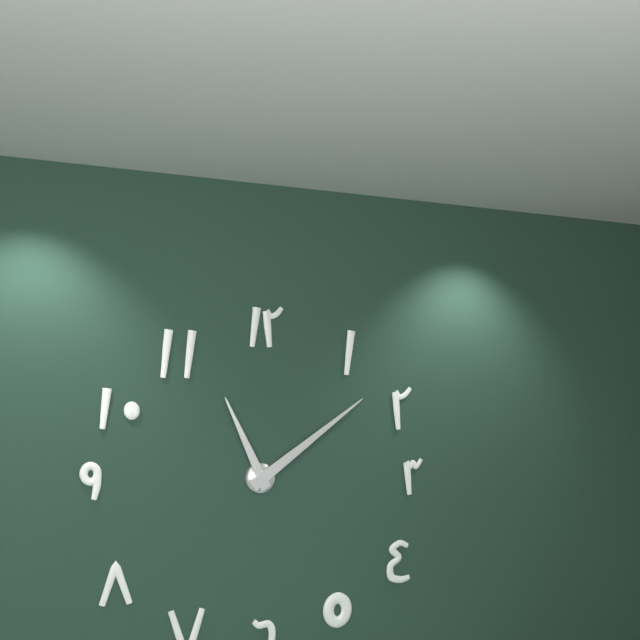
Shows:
11,09
